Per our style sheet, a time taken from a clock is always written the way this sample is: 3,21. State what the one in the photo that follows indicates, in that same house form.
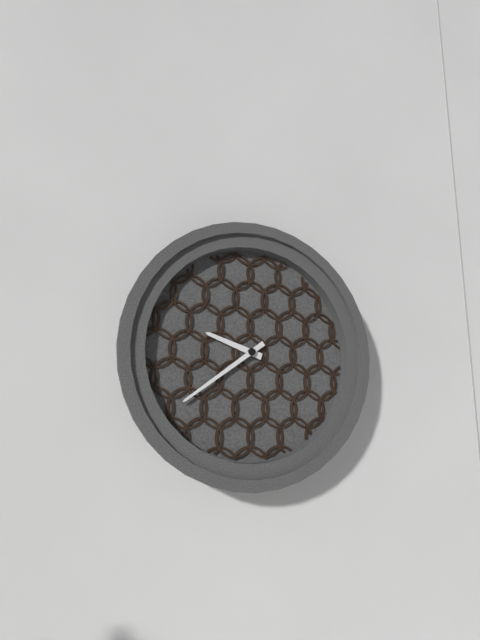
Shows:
9,39
